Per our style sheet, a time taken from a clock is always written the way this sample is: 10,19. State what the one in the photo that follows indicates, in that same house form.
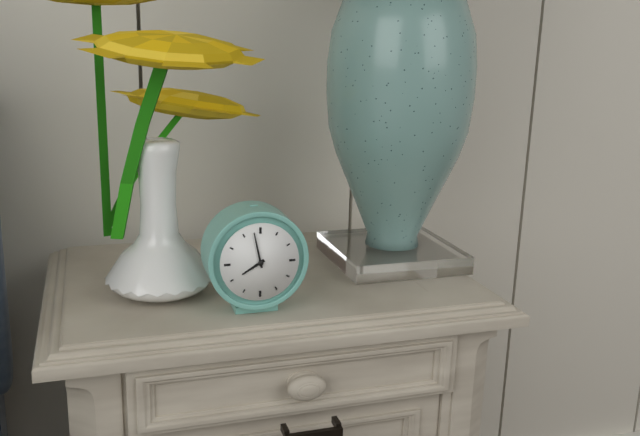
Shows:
7,58
